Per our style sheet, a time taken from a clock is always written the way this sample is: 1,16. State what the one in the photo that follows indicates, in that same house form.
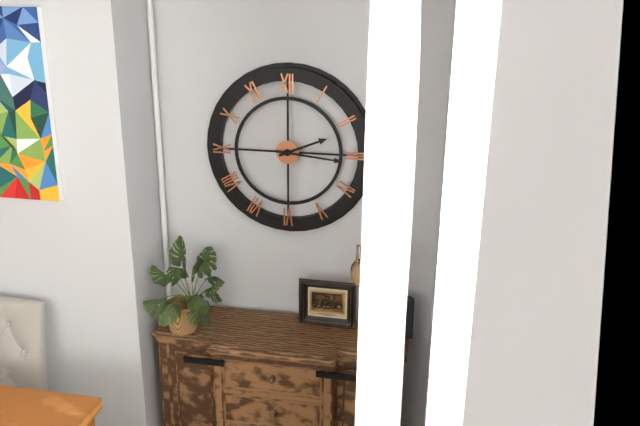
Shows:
2,16
